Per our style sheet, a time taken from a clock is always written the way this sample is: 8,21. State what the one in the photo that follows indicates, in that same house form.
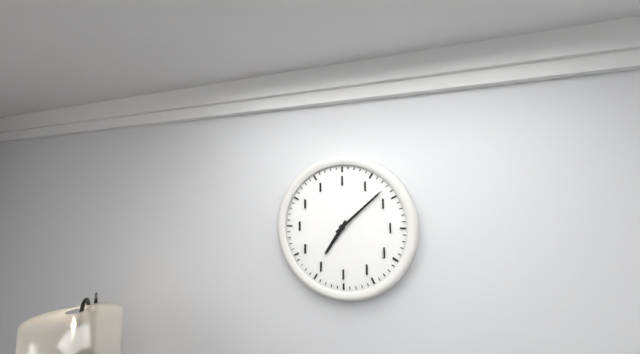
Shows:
7,08
